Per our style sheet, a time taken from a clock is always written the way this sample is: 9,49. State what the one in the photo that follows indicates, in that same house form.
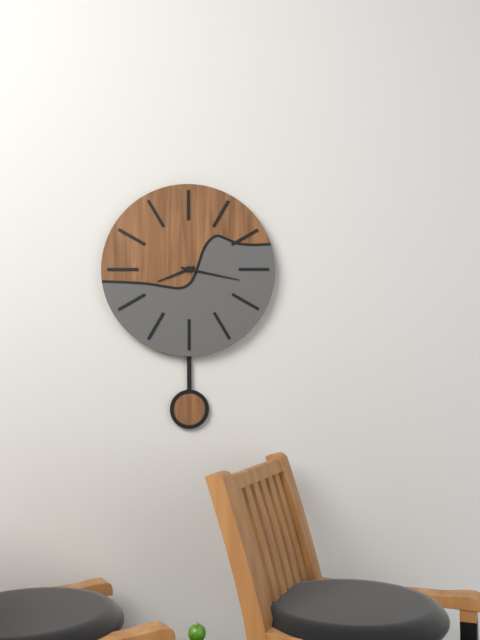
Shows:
8,17
